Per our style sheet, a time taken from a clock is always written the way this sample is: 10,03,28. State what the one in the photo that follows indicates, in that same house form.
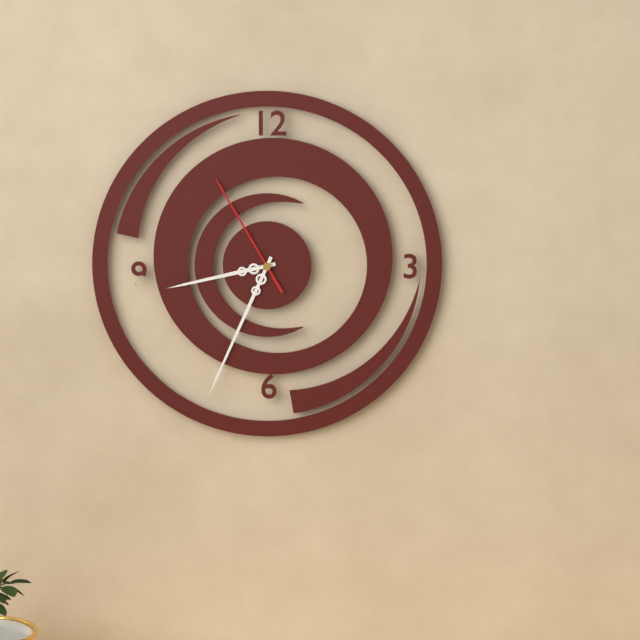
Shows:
8,34,55
